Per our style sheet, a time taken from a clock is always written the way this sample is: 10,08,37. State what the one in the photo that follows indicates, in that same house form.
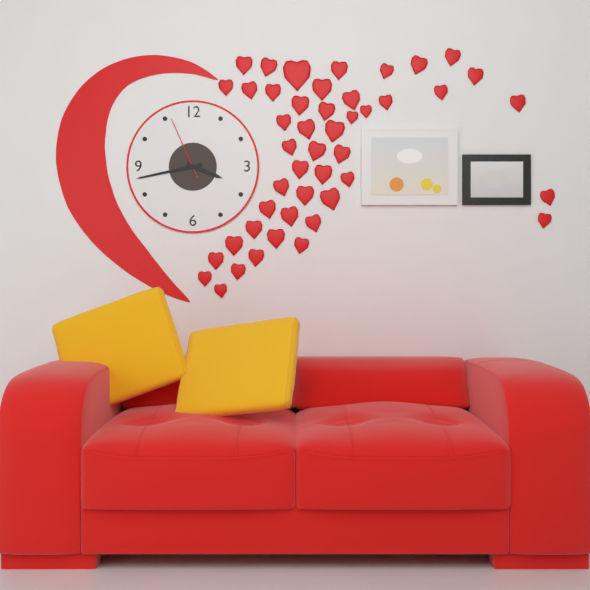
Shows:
3,43,56
